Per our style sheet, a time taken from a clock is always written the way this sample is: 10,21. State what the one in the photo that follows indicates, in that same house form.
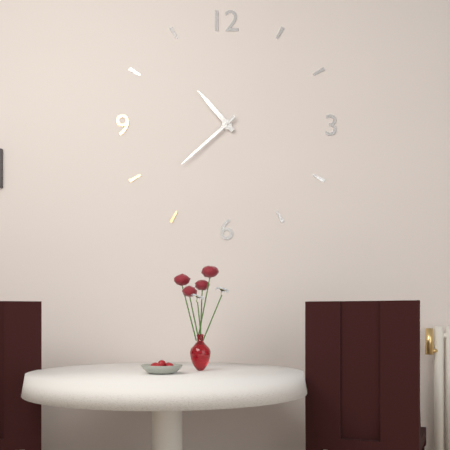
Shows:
10,38
